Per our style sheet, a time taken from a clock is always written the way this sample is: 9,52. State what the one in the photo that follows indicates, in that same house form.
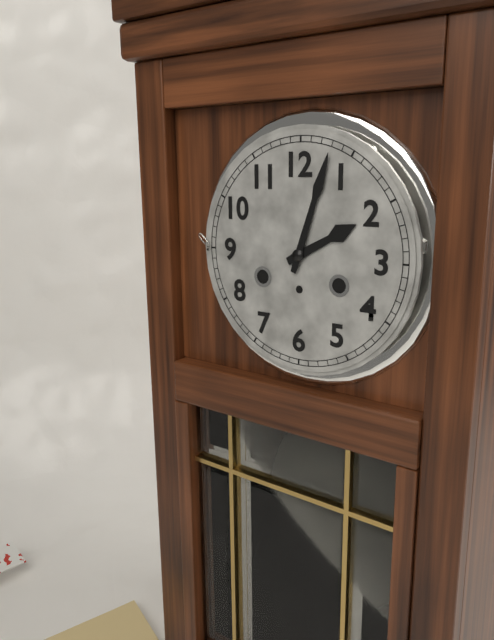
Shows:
2,03
